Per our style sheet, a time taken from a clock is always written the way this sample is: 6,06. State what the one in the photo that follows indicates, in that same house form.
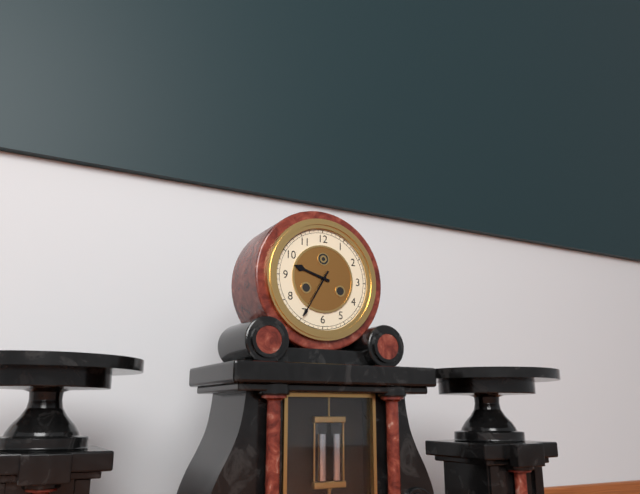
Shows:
9,35
